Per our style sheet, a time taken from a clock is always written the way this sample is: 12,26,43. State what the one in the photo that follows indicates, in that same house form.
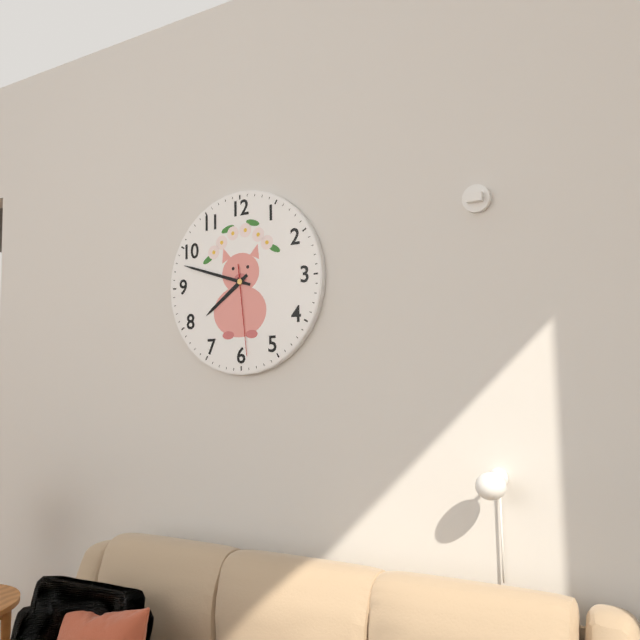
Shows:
7,48,29
